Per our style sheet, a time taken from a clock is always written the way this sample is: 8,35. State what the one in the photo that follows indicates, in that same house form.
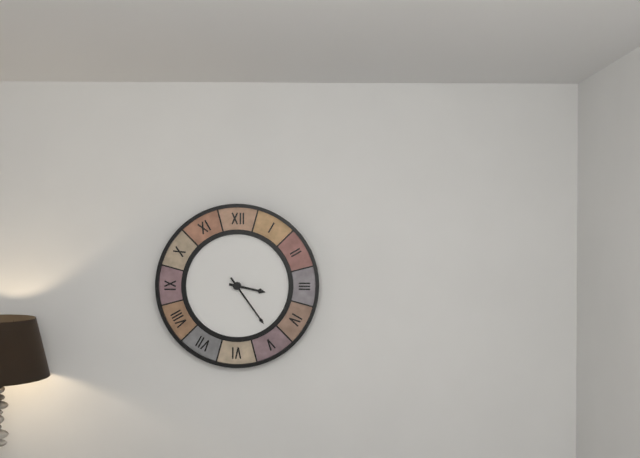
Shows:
3,24
